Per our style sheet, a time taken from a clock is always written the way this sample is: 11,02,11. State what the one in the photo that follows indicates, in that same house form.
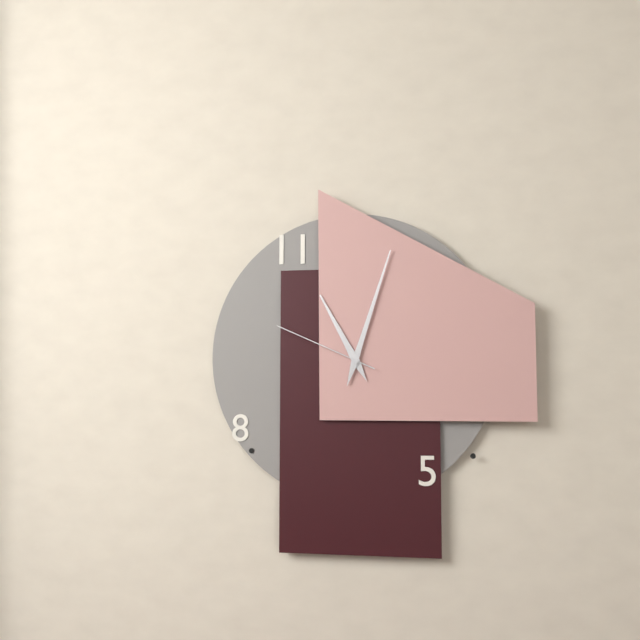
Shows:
11,03,49
